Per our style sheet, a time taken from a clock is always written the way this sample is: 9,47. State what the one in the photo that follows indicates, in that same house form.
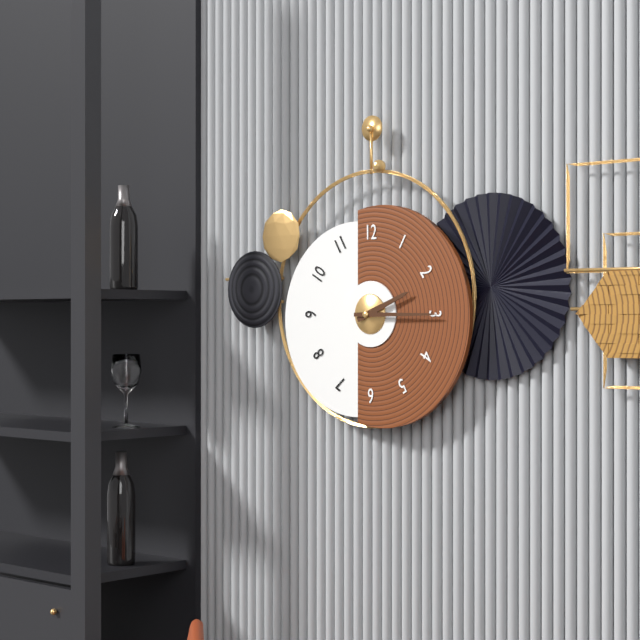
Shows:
2,15
